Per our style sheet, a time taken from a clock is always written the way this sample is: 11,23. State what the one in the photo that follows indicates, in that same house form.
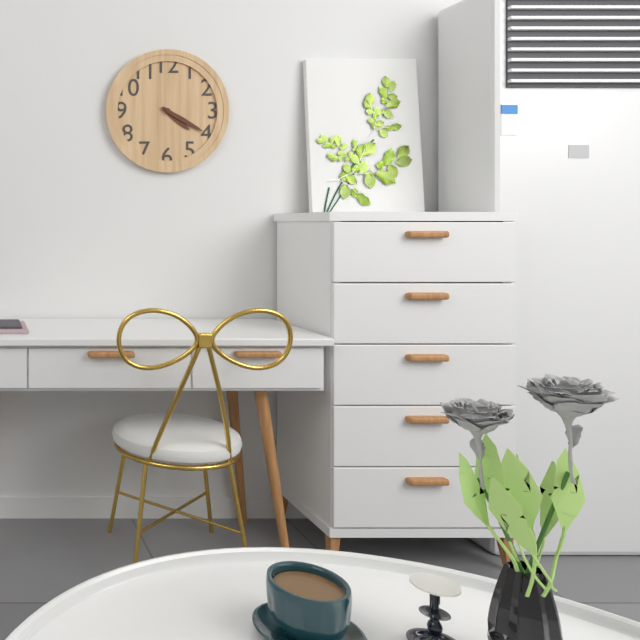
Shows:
4,20
